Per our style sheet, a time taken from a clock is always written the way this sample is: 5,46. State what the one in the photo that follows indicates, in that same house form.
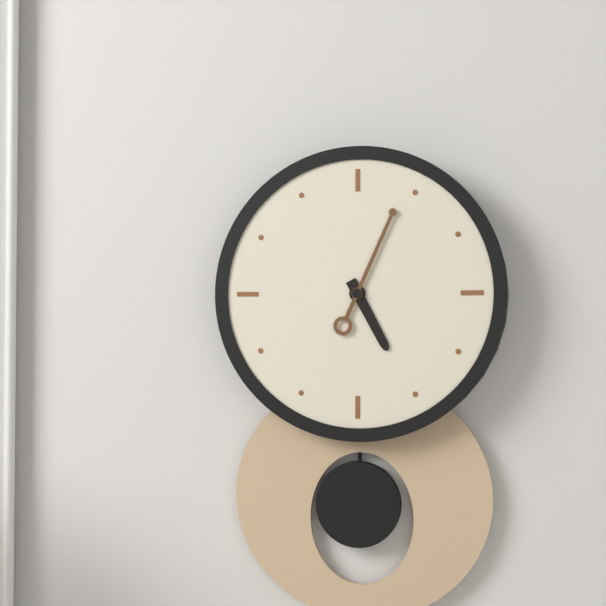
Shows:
5,04
